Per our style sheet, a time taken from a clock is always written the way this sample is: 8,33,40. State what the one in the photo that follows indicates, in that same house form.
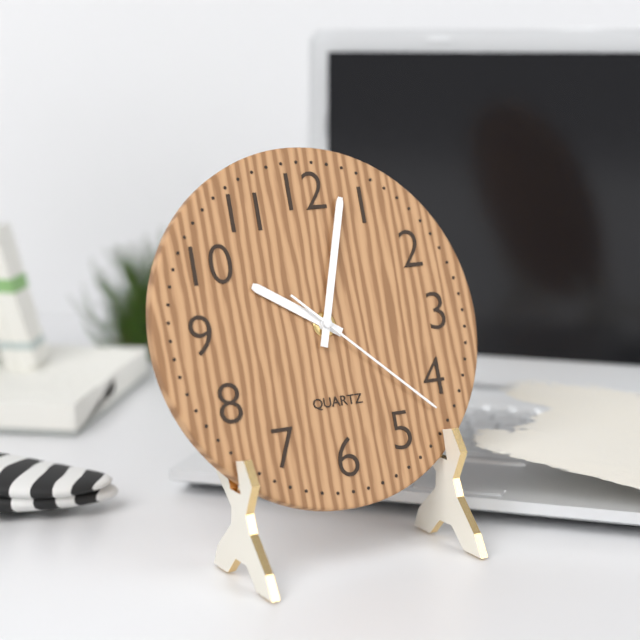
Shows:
10,03,22
